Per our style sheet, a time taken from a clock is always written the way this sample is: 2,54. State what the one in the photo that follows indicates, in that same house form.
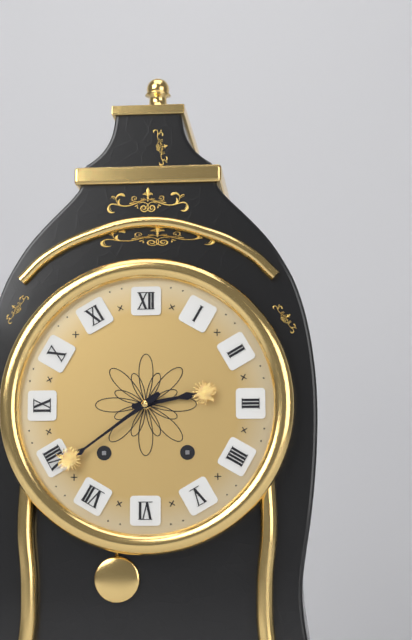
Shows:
2,39
